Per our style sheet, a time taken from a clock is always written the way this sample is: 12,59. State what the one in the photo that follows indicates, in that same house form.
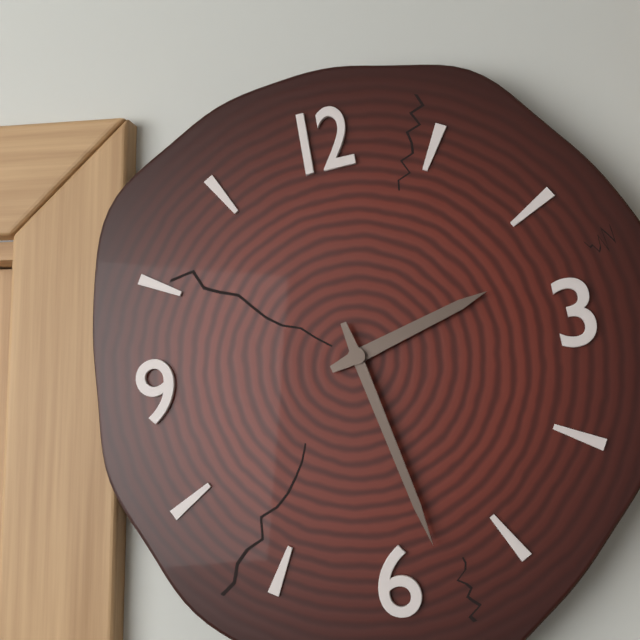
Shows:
2,28
